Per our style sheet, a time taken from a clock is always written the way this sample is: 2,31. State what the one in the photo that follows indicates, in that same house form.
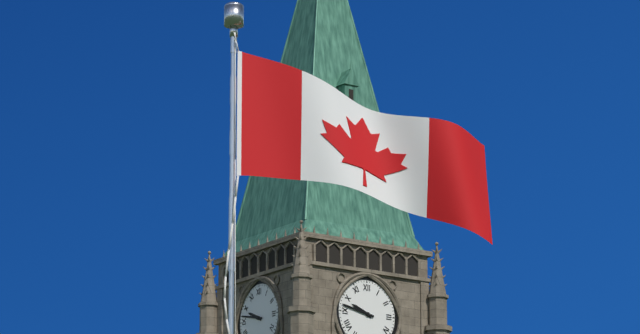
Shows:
9,47
